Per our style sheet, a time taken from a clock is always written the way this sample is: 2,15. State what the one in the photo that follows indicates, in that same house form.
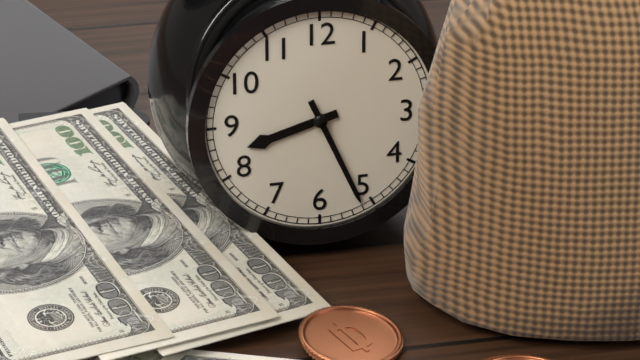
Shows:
8,26
